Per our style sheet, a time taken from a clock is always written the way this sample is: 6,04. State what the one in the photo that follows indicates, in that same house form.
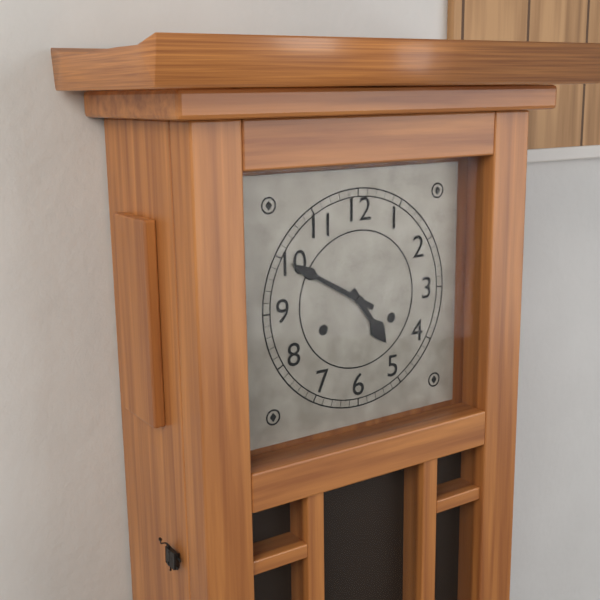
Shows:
4,50
